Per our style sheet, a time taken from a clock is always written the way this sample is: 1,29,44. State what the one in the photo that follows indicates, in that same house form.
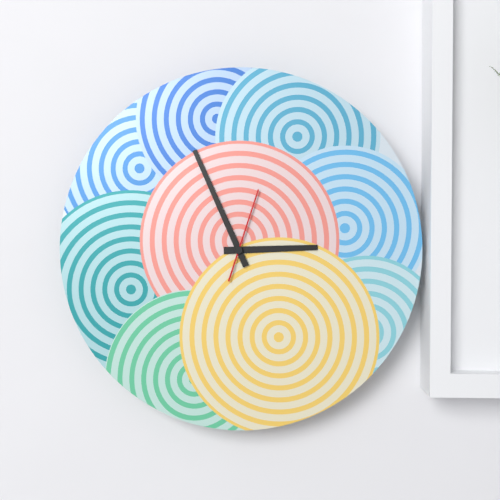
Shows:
2,56,03
